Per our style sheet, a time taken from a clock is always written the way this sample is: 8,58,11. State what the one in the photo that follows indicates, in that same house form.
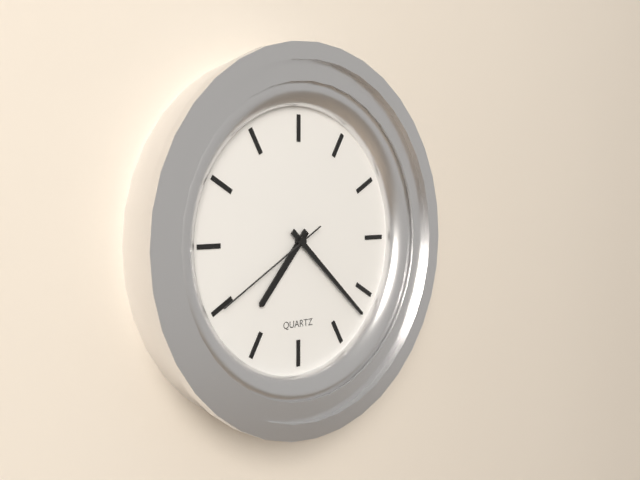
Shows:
7,22,40
